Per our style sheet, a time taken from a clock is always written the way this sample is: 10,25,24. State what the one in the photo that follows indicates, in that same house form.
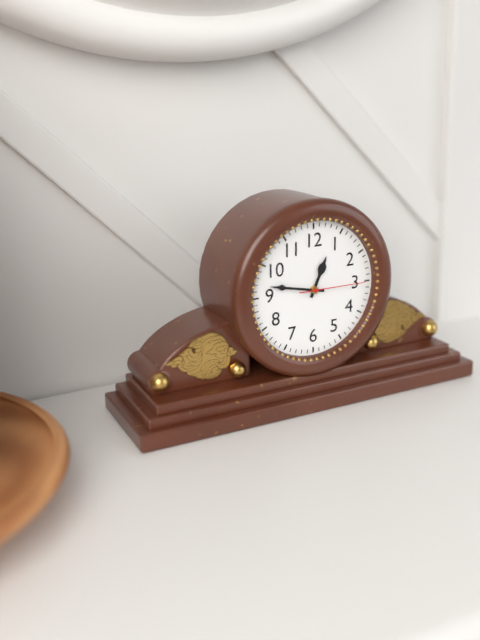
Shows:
12,47,15
